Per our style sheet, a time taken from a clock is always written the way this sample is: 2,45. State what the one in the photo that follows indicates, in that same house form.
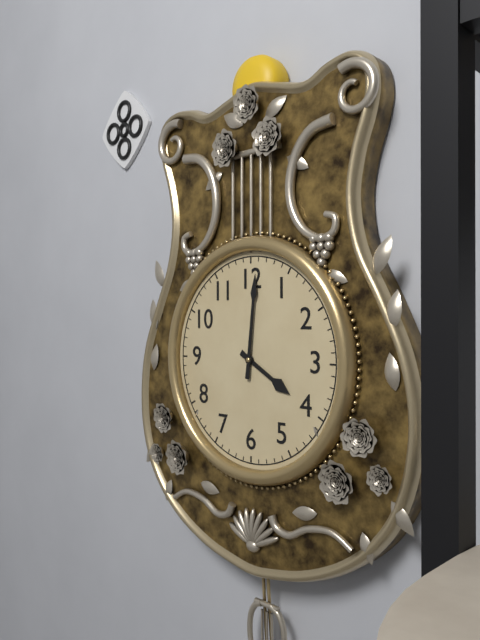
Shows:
4,01
